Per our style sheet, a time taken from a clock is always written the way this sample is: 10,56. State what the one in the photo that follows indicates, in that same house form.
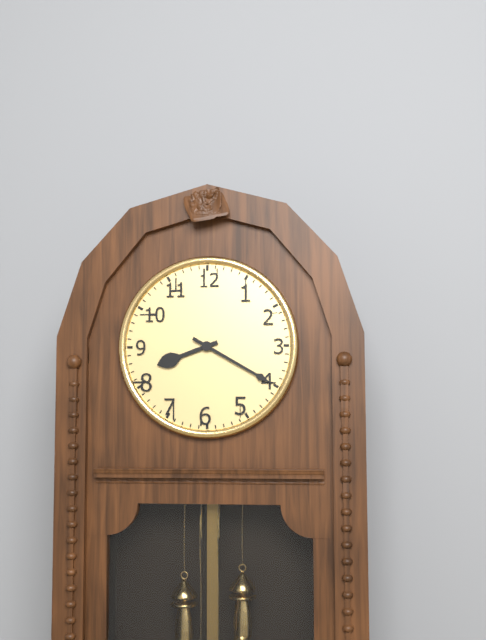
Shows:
8,20
